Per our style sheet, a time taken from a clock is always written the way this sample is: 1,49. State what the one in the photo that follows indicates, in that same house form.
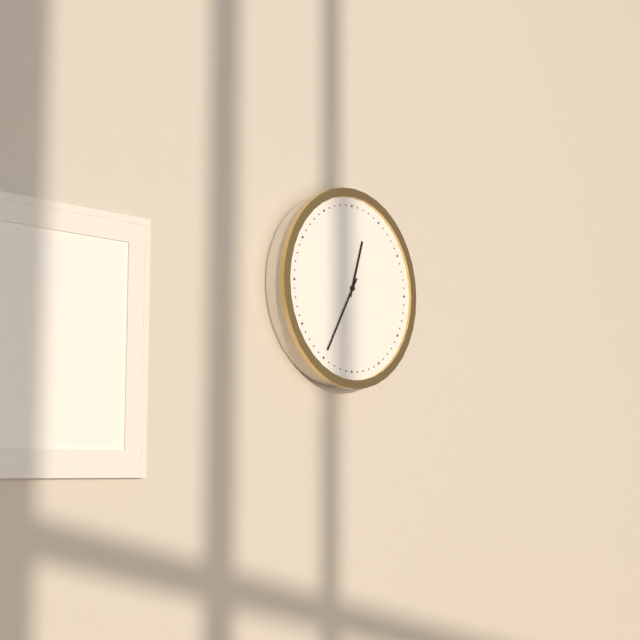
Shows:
12,35
